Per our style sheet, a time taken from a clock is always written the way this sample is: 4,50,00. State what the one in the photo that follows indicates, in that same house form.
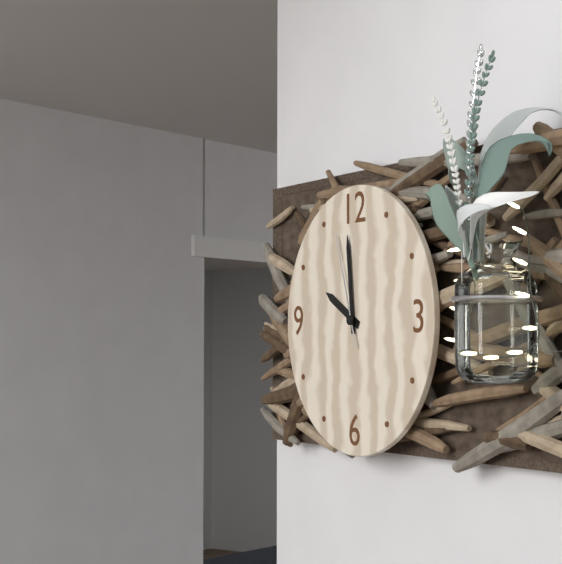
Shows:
9,59,57
